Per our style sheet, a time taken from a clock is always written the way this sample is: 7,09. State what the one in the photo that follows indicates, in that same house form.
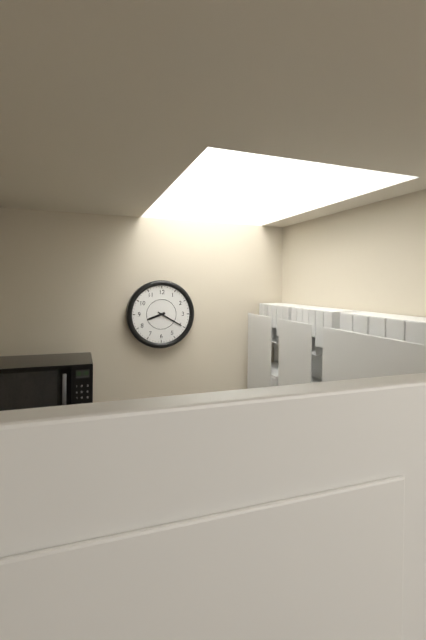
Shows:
8,20
